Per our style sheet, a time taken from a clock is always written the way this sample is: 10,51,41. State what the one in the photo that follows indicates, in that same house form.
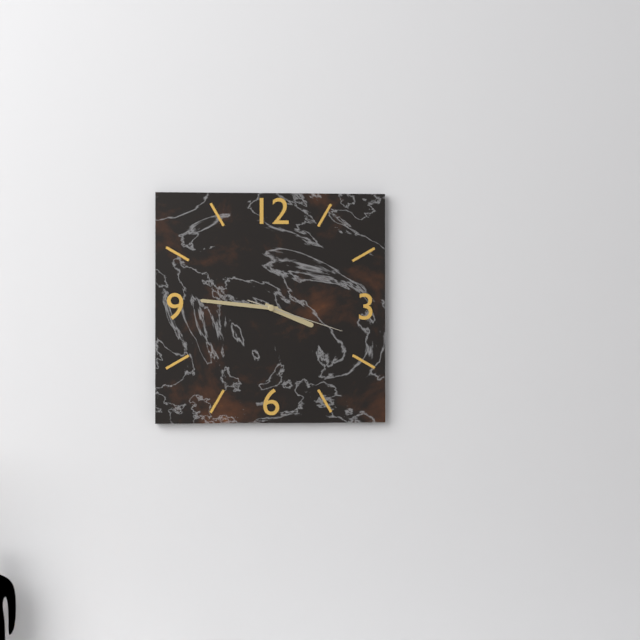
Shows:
3,46,18
